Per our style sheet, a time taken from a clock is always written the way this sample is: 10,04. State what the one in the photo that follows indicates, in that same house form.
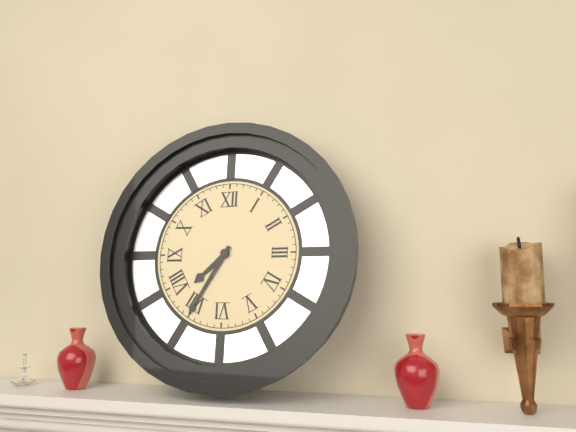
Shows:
7,35
